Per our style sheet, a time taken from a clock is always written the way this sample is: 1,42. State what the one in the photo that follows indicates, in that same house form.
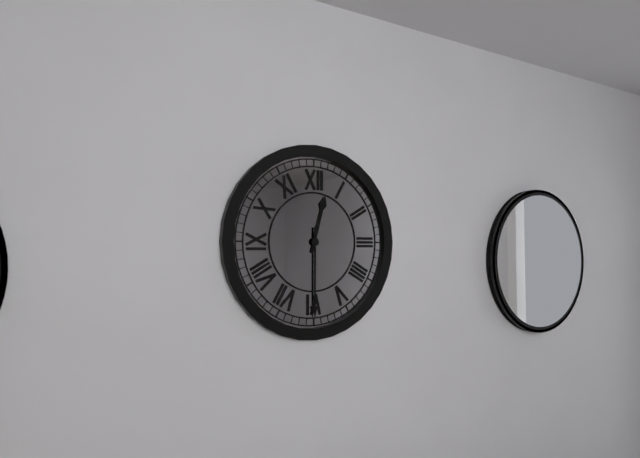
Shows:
12,30
